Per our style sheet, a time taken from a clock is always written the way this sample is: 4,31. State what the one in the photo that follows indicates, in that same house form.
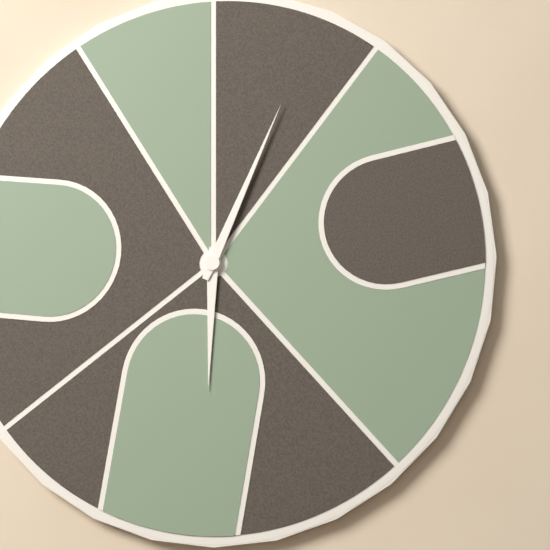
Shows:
6,04
